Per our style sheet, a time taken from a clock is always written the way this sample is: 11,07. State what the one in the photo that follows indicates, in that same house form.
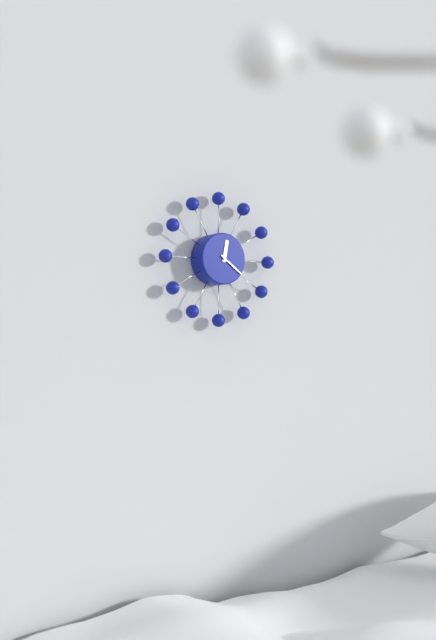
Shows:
12,21
